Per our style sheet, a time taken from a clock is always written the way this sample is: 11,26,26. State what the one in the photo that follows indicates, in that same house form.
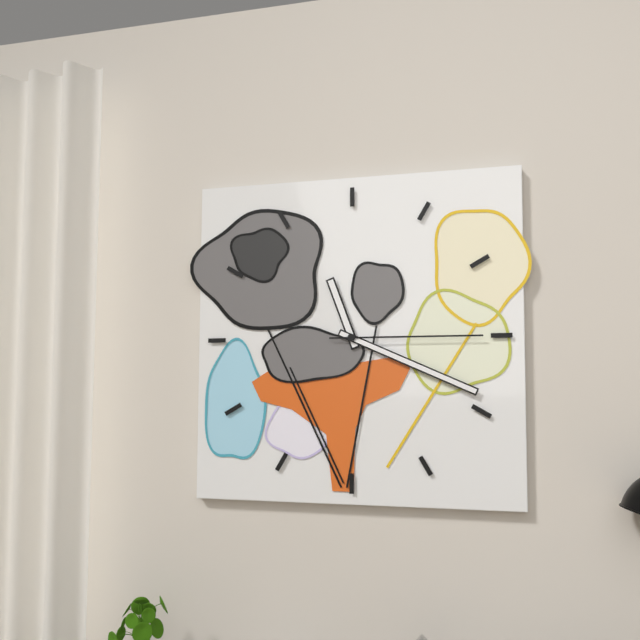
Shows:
11,19,15
